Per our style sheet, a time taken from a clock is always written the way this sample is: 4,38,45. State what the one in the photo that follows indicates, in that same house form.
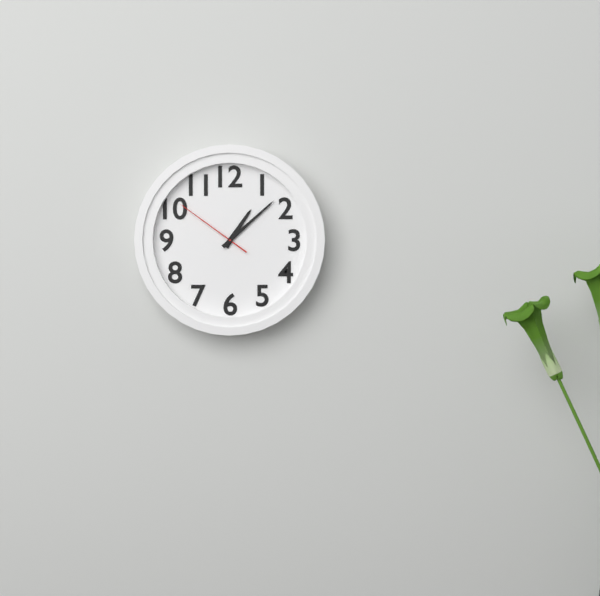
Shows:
1,08,51
